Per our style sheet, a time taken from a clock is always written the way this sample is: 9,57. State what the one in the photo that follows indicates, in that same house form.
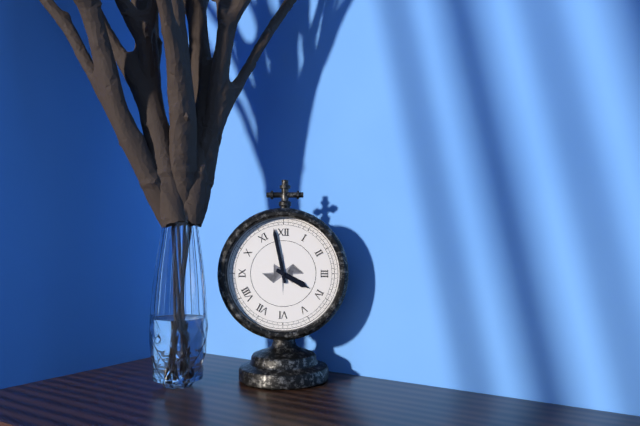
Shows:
3,58
